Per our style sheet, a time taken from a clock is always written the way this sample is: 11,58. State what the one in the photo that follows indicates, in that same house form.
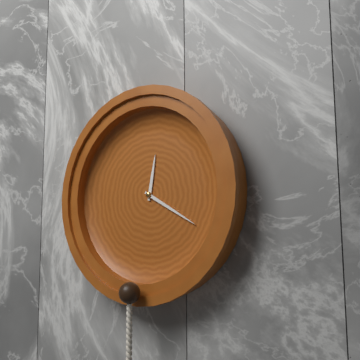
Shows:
12,20
